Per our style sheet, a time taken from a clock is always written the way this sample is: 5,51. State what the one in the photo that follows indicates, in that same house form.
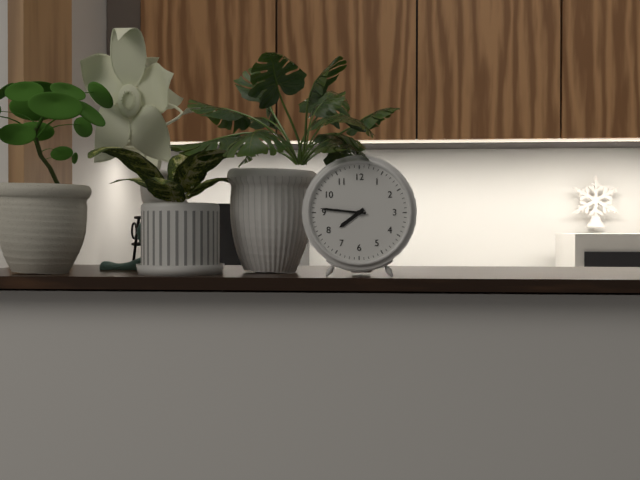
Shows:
7,46
